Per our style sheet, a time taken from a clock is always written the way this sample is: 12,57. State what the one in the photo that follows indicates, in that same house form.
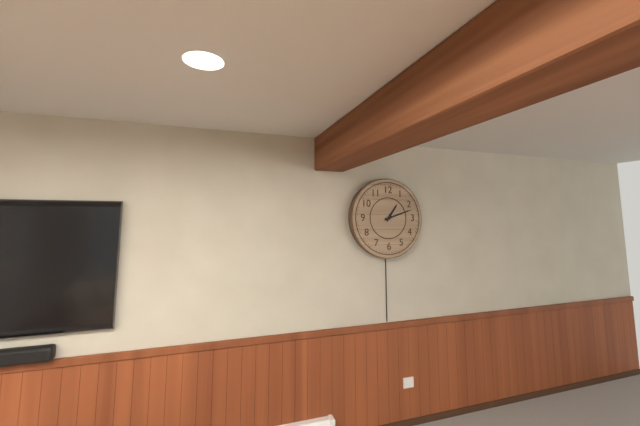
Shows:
1,12
